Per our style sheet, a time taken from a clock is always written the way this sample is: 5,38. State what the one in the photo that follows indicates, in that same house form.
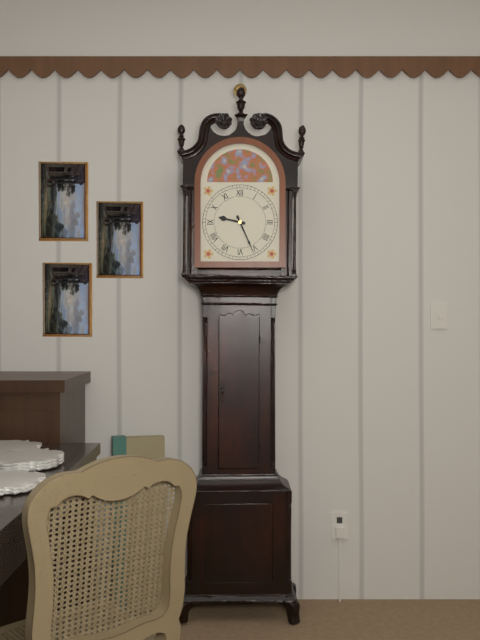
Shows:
9,26
